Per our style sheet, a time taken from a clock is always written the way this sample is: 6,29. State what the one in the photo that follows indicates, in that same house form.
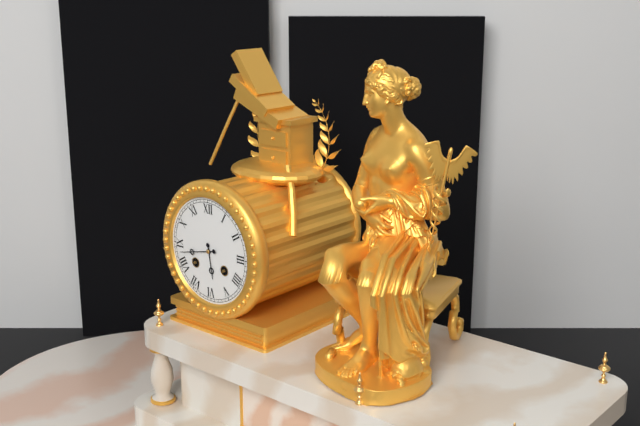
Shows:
5,43
